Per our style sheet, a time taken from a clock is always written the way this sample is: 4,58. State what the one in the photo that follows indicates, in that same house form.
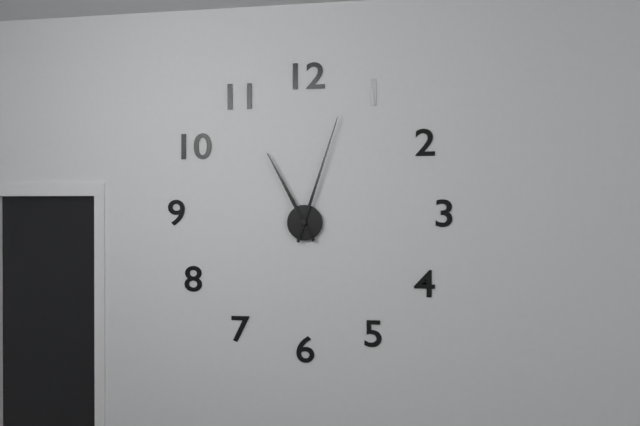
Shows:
11,03
